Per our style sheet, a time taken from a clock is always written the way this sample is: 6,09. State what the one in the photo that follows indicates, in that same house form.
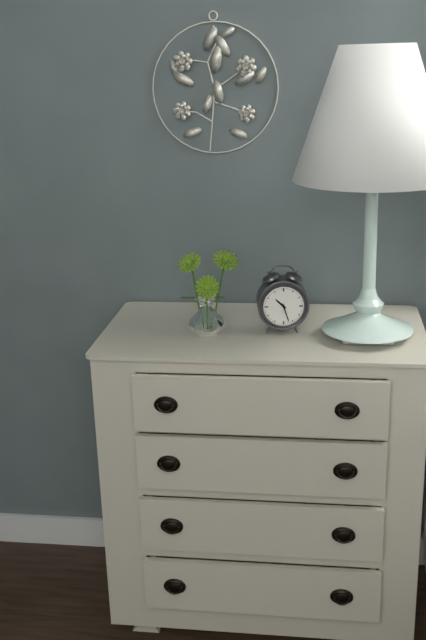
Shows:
10,27
